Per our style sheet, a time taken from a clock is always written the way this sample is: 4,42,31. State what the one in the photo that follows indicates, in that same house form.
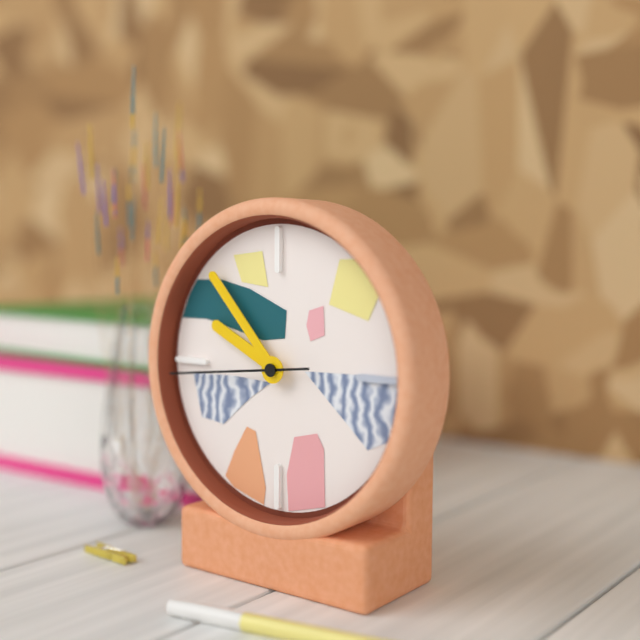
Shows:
9,53,44
